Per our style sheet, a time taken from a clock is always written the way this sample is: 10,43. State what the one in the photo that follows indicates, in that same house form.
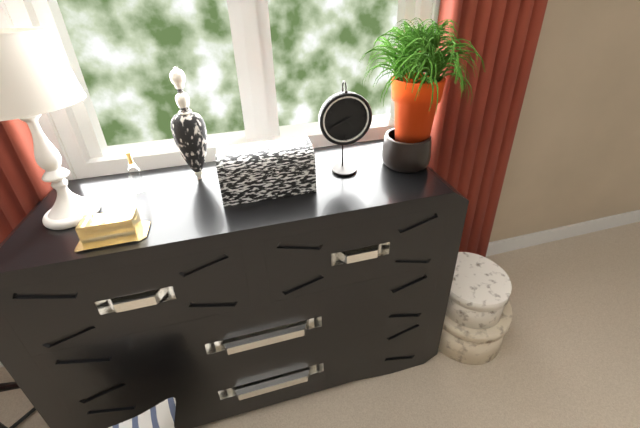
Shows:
4,41
